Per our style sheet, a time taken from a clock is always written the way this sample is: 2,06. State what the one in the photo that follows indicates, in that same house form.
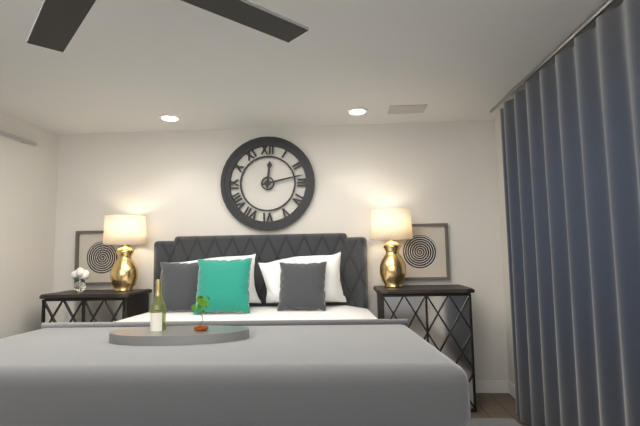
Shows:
12,13
